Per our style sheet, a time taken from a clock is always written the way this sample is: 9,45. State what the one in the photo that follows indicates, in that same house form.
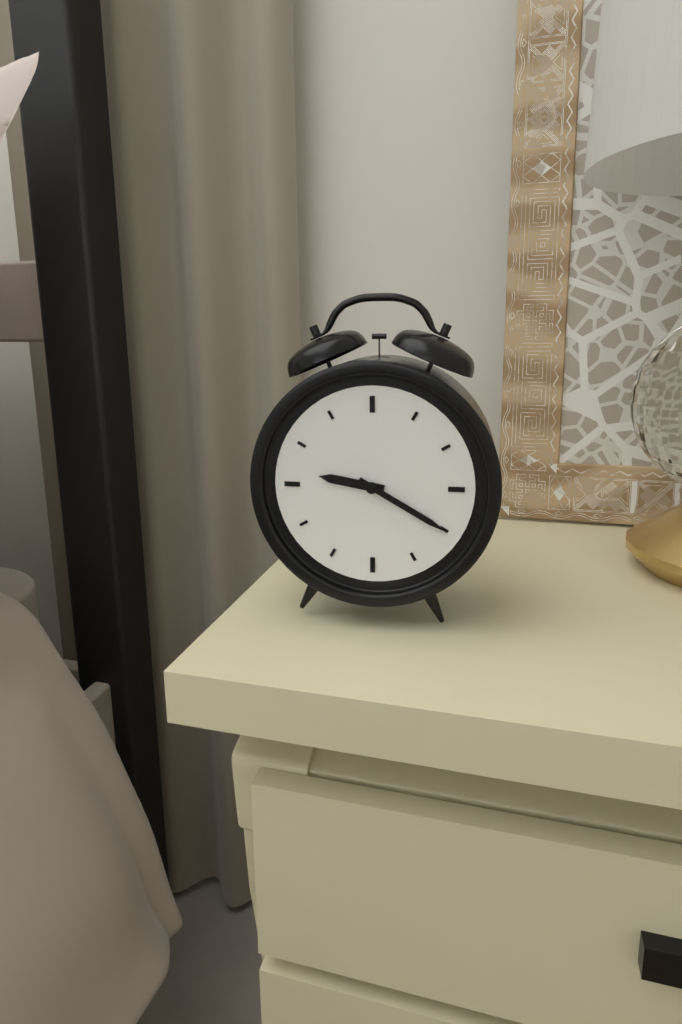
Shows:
9,20
